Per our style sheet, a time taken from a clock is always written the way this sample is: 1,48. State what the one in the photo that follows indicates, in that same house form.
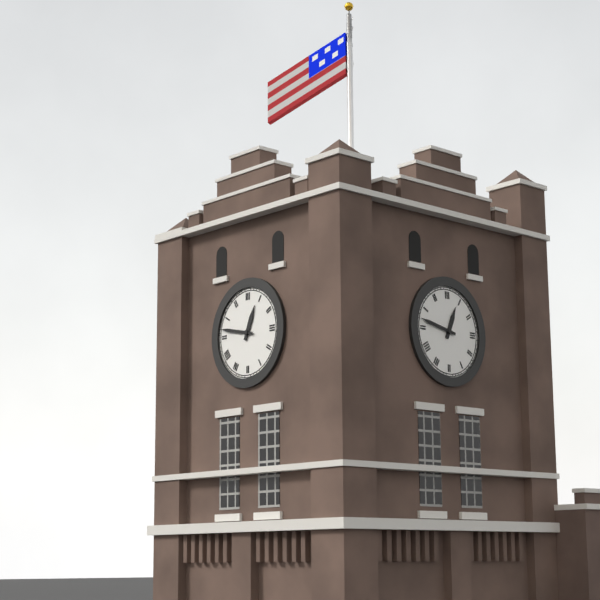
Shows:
12,47
